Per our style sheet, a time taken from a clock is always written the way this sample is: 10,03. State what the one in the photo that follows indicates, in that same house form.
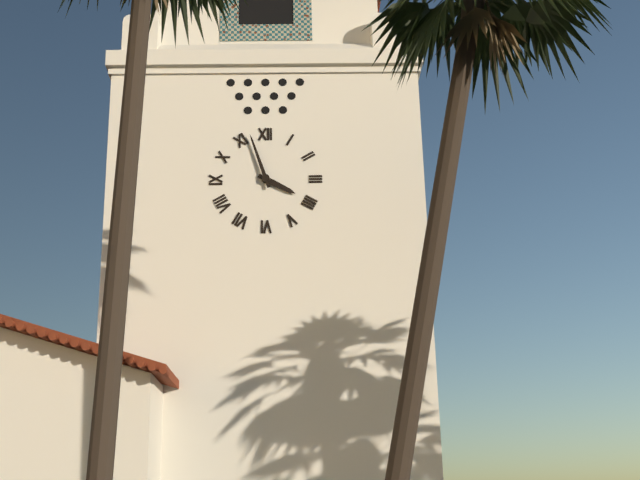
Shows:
3,57
